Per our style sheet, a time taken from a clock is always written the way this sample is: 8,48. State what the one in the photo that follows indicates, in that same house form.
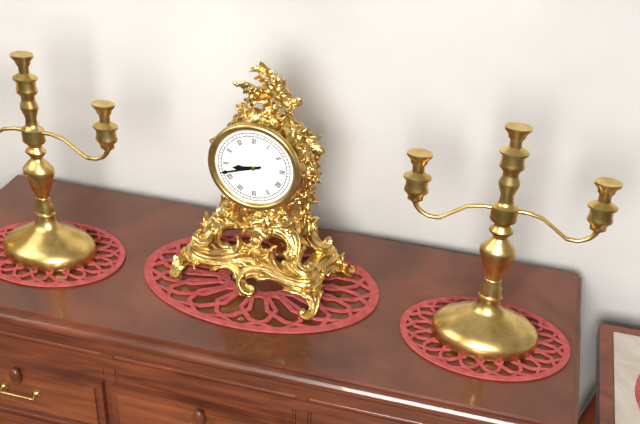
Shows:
8,42
